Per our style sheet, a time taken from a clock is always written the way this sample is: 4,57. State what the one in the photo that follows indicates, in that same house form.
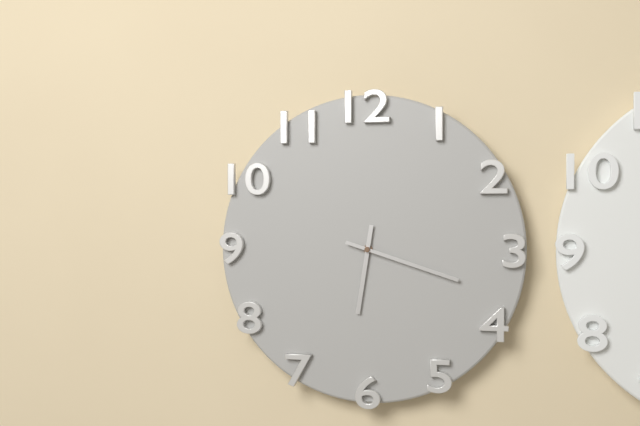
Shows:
6,18
